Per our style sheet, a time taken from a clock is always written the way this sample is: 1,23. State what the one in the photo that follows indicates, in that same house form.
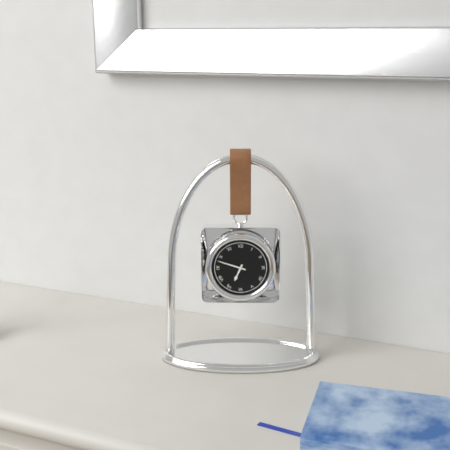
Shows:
6,48
